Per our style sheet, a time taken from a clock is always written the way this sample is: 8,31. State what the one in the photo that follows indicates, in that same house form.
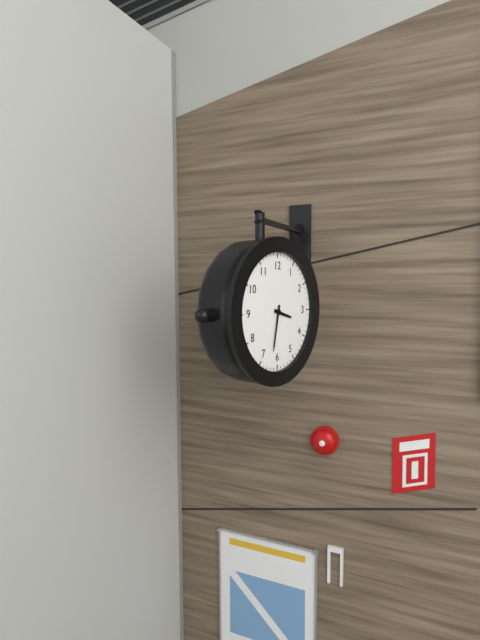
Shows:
3,32
